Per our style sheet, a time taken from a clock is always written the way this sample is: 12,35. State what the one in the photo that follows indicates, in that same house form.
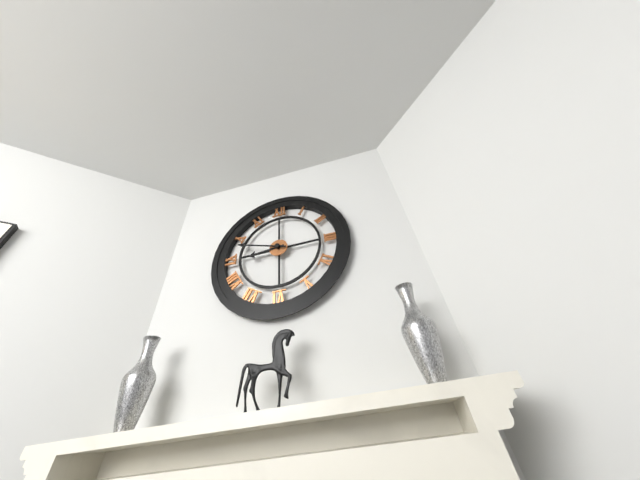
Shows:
8,48
